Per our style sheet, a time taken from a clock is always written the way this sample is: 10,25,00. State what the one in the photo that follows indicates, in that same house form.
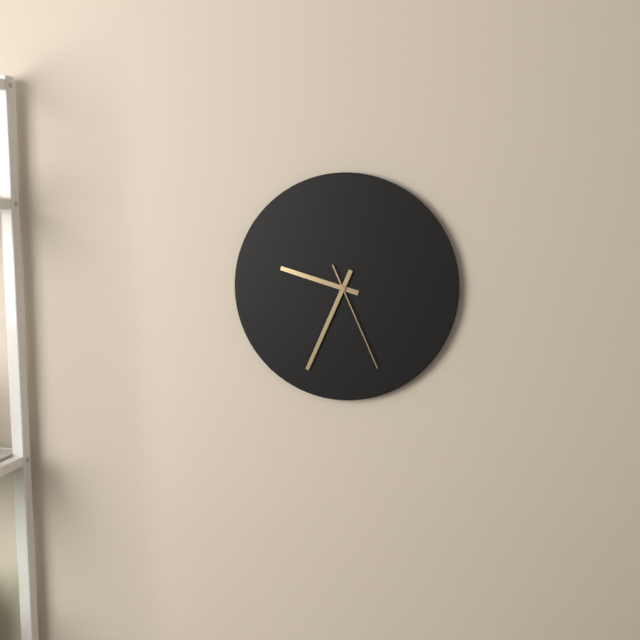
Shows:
9,34,26
